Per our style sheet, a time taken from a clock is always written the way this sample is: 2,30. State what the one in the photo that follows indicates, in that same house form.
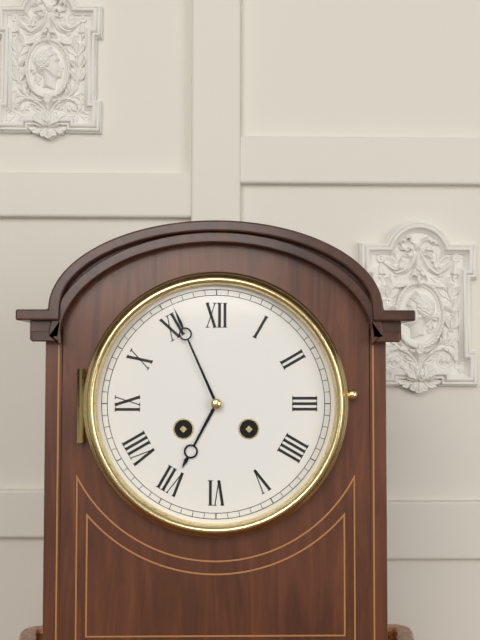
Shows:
6,56
